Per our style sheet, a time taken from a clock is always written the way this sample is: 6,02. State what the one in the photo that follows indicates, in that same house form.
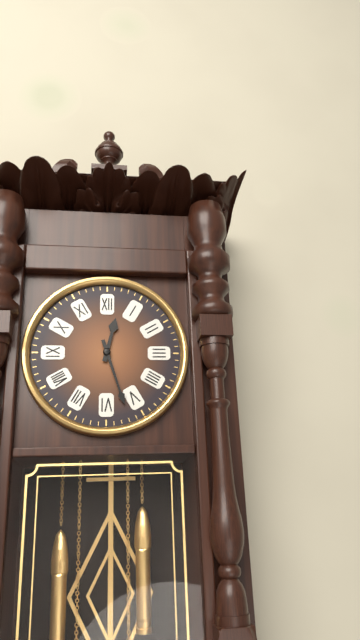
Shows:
12,27
